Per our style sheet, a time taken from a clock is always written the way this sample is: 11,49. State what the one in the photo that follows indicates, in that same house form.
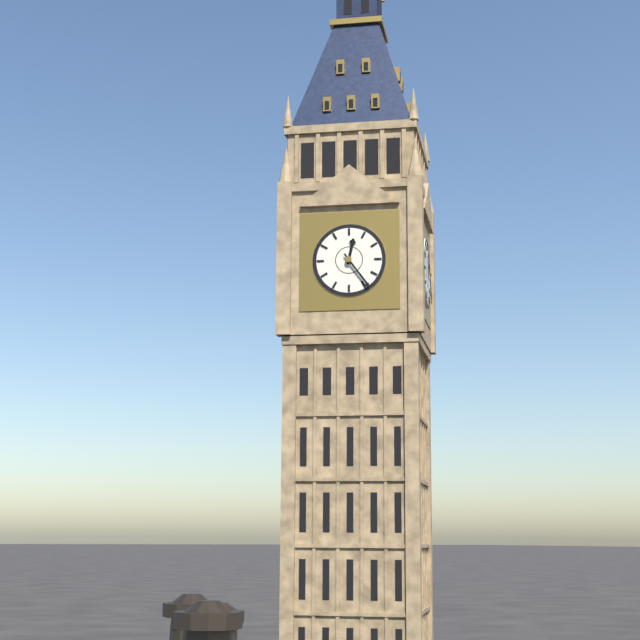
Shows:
12,24
